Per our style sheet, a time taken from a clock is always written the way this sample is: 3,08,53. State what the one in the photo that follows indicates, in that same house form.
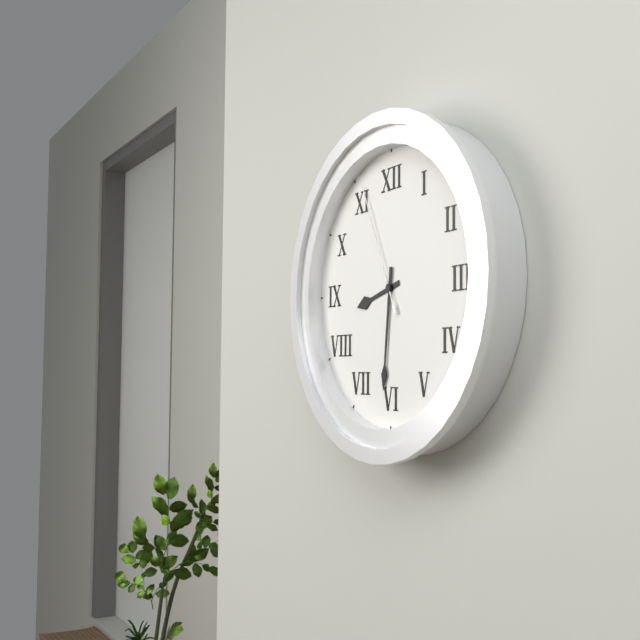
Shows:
8,31,56
